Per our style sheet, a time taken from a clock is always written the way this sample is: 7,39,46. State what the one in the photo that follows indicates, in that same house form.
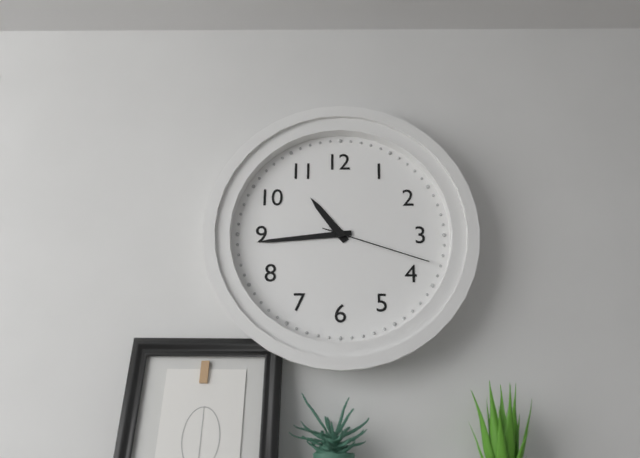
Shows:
10,44,18
